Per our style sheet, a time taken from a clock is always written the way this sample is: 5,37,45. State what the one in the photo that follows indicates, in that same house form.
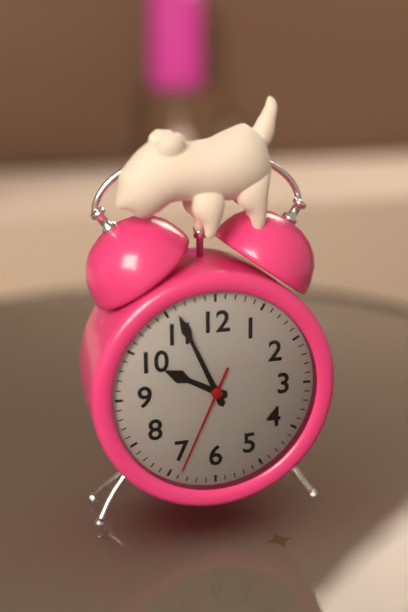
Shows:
9,56,34
